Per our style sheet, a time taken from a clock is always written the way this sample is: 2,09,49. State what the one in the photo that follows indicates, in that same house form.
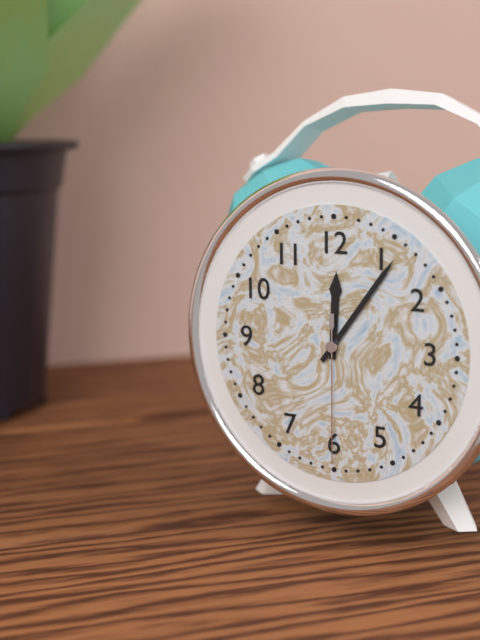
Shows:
12,06,30
